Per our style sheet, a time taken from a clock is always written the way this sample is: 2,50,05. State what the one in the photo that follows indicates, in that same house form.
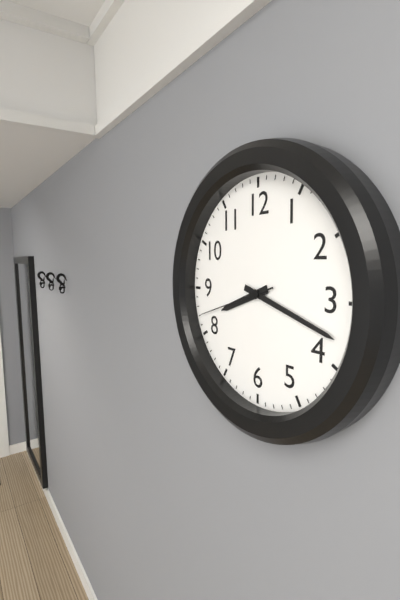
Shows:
8,18,42
